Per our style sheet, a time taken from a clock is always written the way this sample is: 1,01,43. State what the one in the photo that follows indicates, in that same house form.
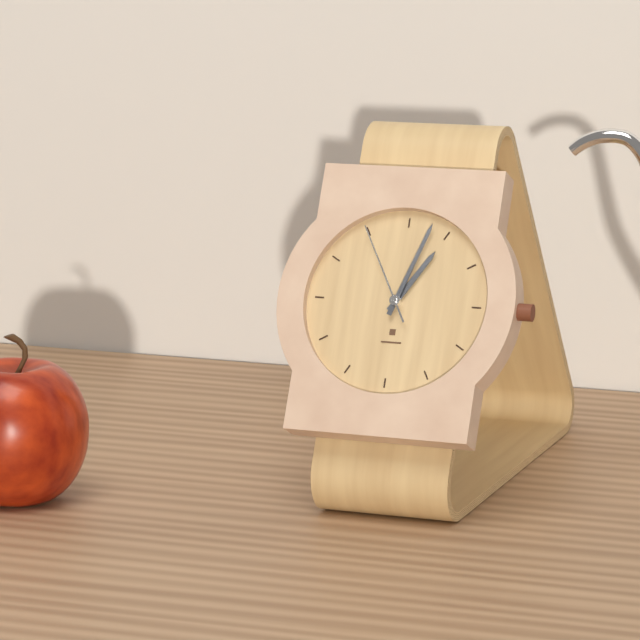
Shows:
1,03,55
